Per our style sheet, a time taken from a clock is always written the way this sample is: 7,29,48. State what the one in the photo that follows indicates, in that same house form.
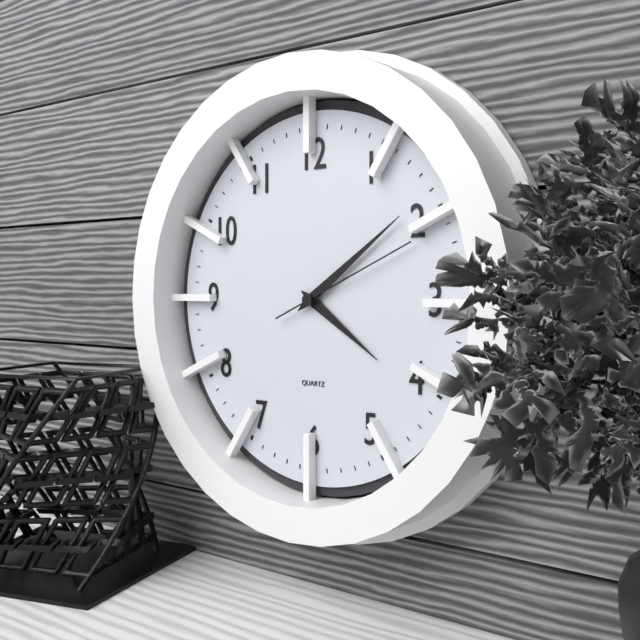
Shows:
4,09,11
